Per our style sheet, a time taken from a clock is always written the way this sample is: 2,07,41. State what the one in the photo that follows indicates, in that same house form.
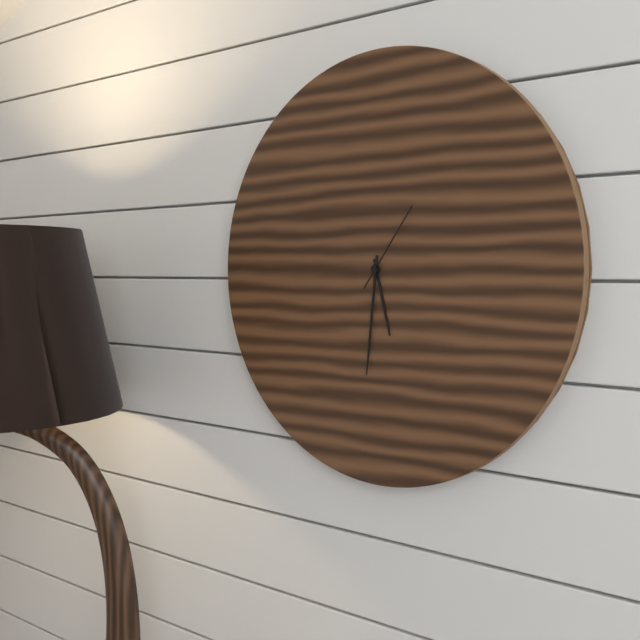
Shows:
5,31,06
